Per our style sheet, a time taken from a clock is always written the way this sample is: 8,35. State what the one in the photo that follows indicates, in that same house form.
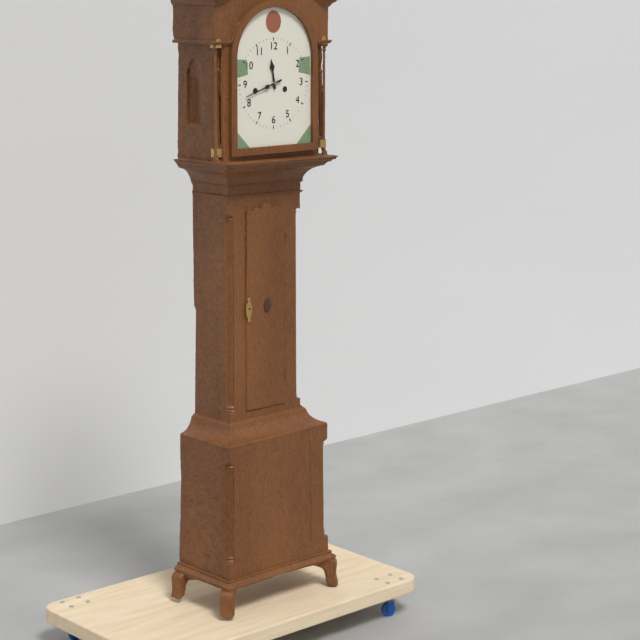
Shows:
11,42
